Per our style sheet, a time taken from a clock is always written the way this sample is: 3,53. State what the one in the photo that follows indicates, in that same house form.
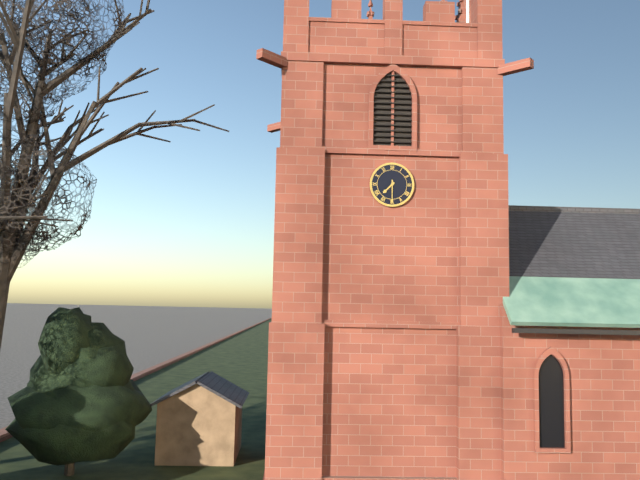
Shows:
7,30
